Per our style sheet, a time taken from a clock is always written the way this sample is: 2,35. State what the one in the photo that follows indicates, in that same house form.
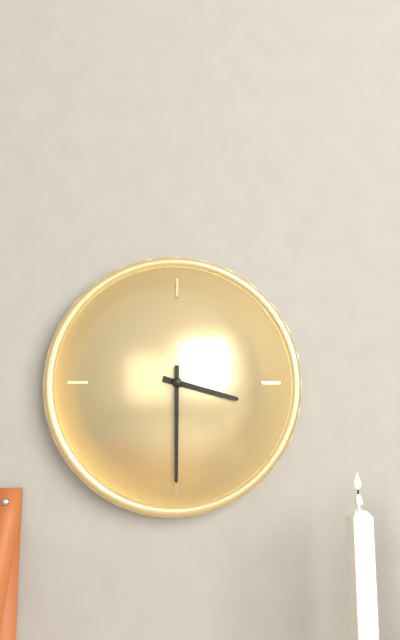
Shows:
3,30
